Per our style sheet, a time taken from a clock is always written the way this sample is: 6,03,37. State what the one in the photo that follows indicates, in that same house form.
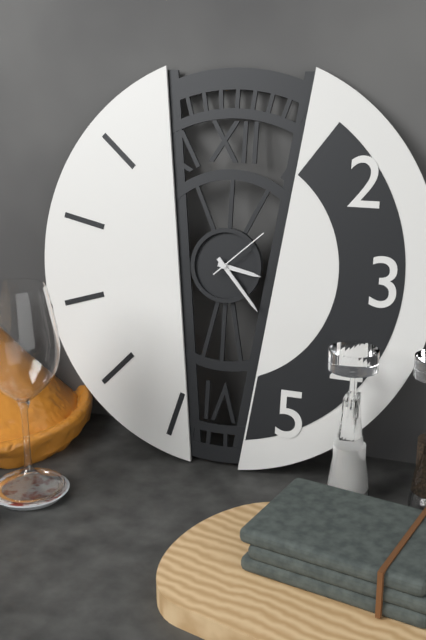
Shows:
3,23,08
